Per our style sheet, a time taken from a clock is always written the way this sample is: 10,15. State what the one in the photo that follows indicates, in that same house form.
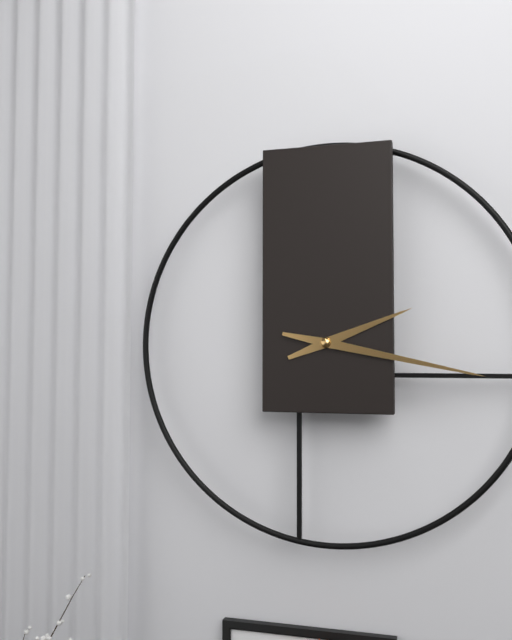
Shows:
2,17
